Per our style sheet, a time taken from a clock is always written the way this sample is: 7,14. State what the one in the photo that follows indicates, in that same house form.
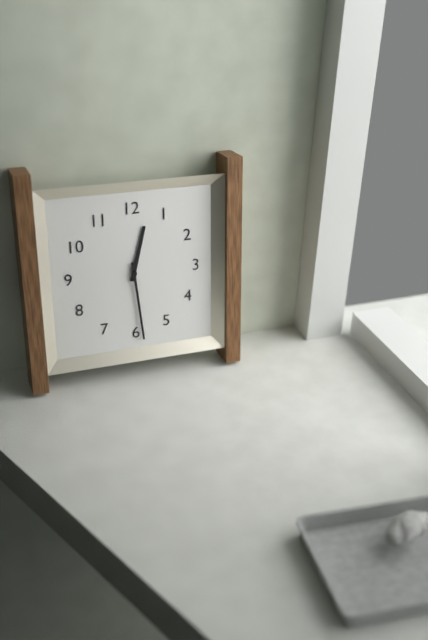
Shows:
12,29
